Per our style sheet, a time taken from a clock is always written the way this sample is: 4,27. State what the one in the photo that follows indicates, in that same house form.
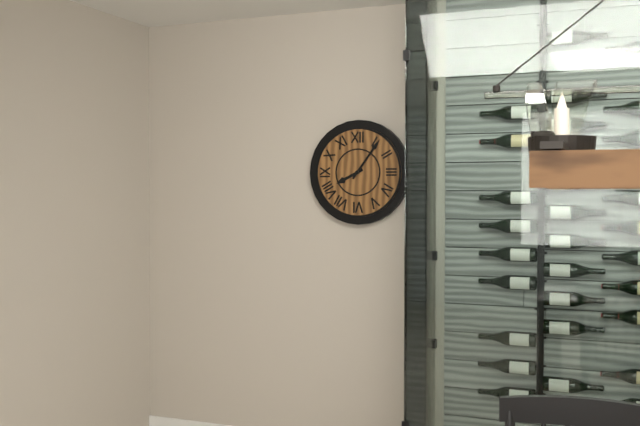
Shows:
8,06
